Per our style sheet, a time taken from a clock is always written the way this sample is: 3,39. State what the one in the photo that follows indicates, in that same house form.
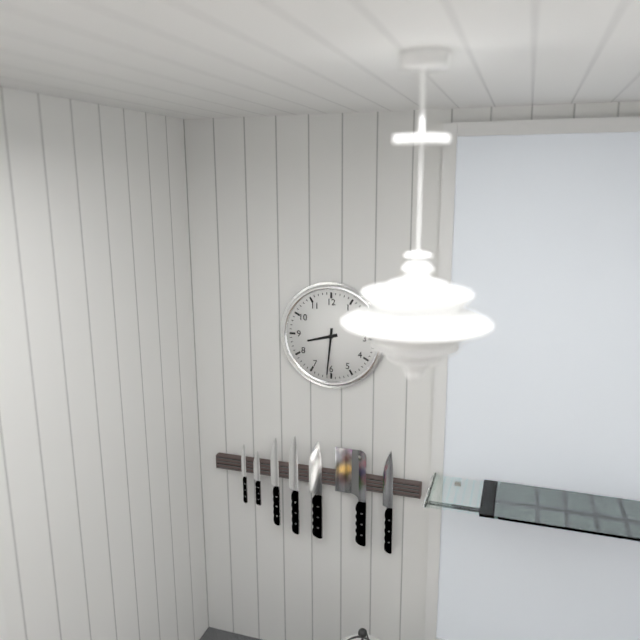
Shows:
8,31
